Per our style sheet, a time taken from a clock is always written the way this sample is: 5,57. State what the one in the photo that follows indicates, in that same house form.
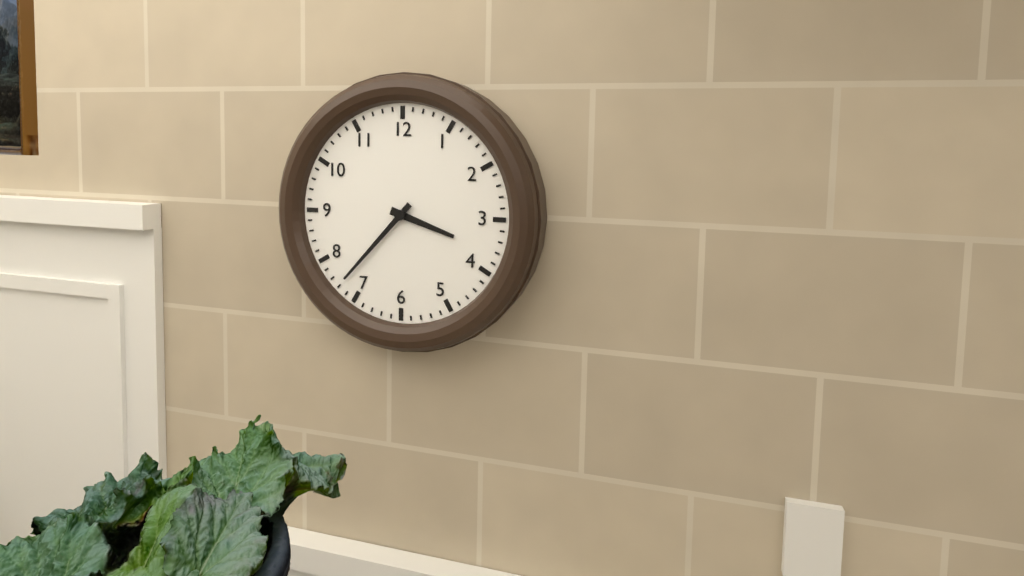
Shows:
3,37
